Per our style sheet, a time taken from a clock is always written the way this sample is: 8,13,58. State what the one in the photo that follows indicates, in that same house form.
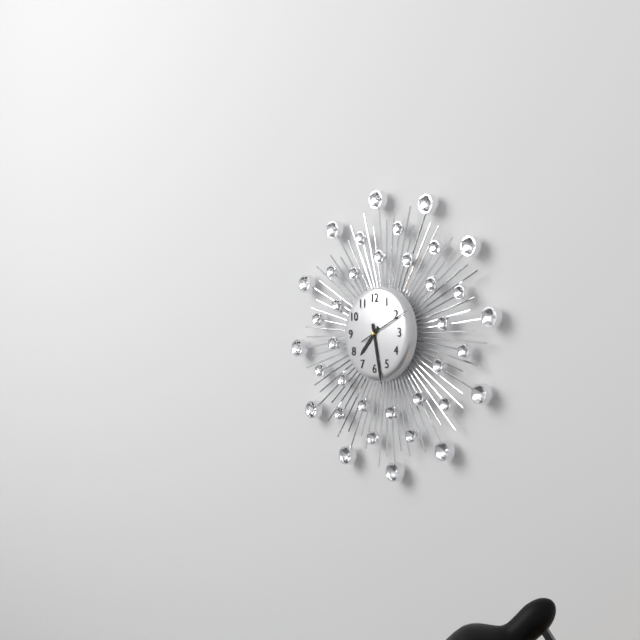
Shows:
7,28,11
